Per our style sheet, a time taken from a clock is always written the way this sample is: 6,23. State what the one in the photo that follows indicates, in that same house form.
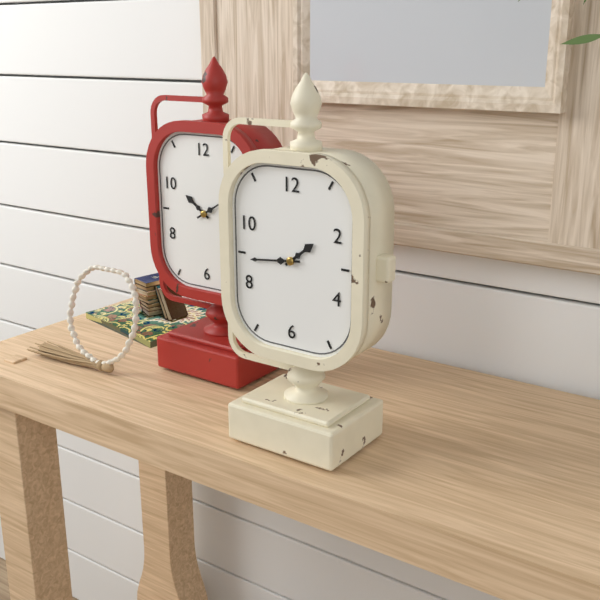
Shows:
1,44
